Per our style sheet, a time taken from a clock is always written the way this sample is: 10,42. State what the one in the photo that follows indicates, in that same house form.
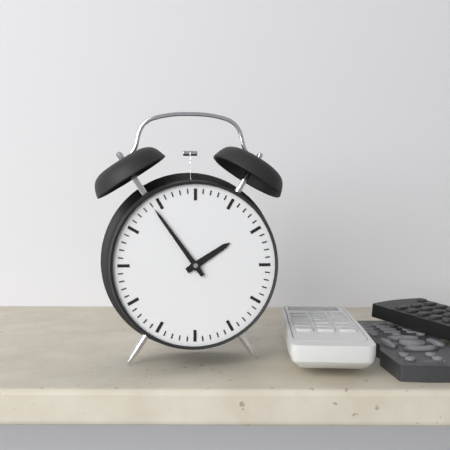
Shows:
1,54
